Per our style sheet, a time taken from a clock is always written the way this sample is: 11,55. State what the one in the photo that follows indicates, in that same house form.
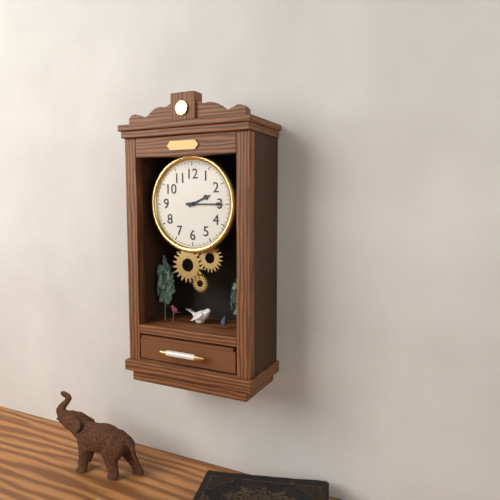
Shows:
2,15
